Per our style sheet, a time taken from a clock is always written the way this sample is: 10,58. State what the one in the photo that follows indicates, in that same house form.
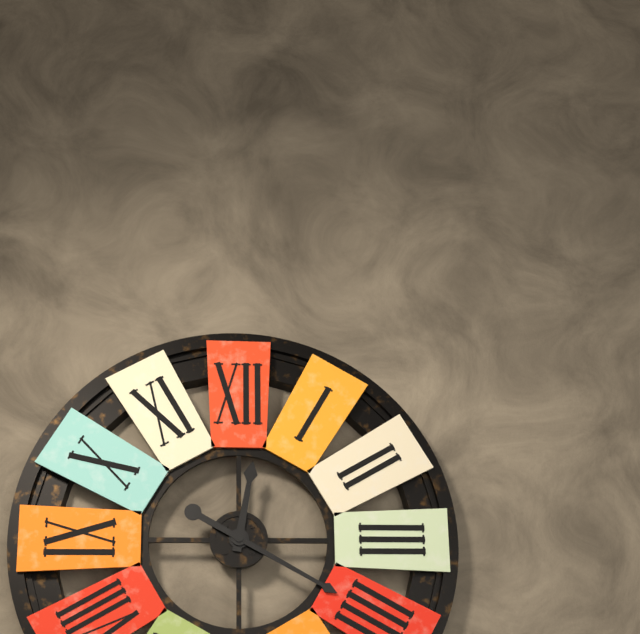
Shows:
12,20
